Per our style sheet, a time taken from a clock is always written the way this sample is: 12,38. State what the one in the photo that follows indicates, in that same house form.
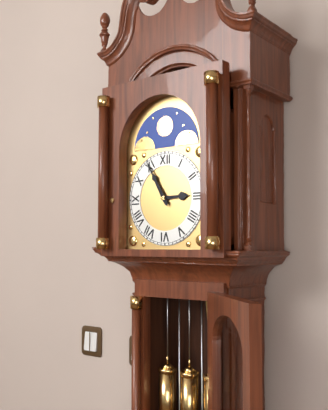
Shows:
2,55
